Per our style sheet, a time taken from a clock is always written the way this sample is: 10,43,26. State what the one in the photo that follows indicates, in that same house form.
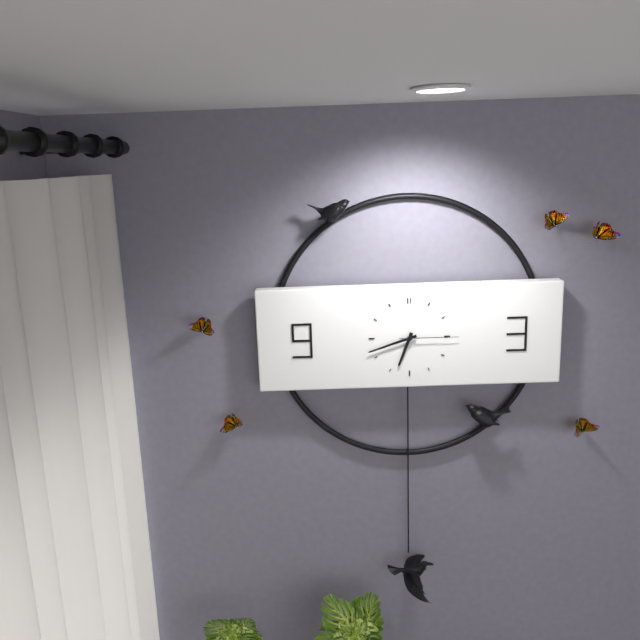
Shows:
6,42,15
